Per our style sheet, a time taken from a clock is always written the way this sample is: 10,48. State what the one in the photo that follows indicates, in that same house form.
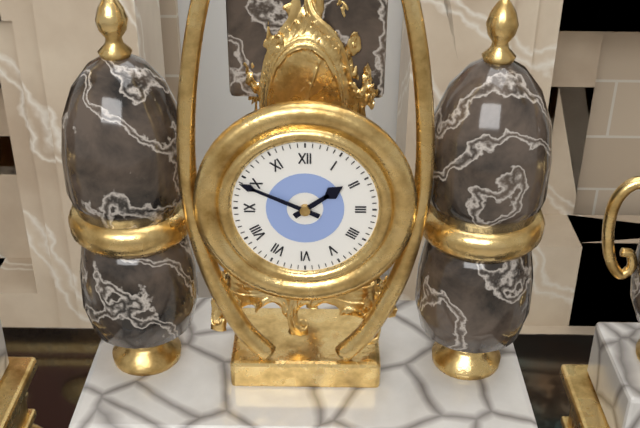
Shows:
1,49
